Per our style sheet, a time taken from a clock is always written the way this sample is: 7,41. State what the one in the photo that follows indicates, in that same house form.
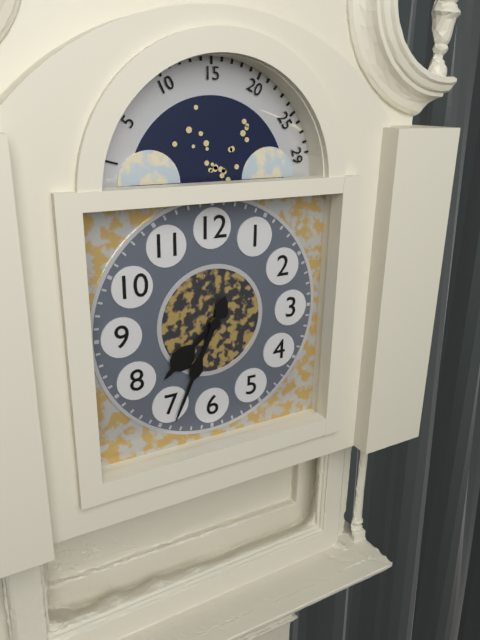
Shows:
7,34
